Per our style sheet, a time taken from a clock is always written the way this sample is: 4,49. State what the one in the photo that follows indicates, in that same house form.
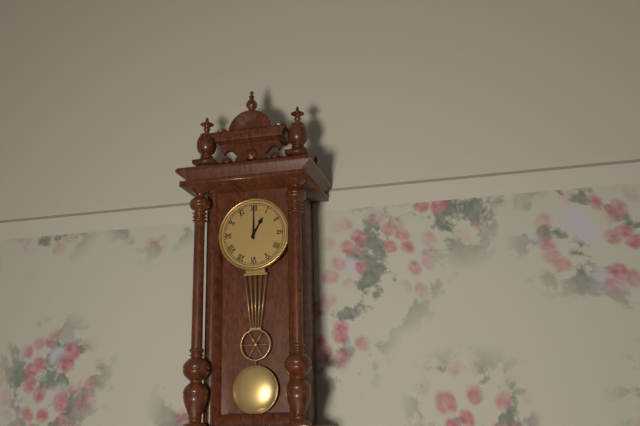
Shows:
1,00
